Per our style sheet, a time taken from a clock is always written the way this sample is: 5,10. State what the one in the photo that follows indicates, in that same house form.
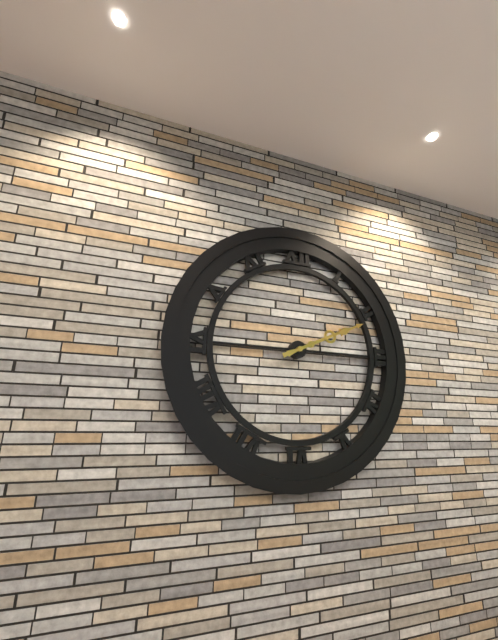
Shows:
2,11
